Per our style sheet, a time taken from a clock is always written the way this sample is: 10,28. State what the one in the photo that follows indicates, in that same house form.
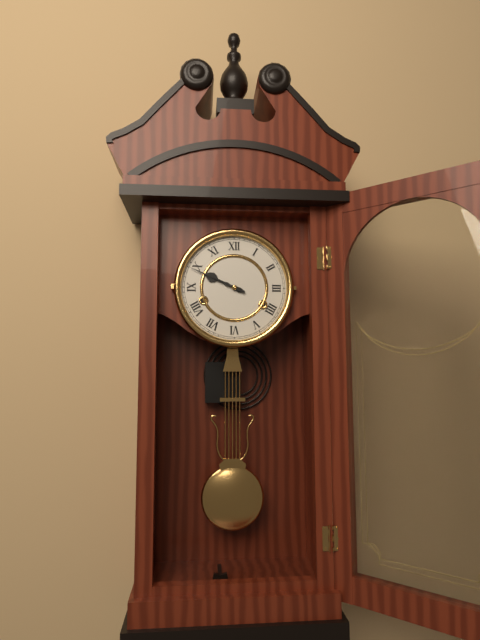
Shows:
9,49
